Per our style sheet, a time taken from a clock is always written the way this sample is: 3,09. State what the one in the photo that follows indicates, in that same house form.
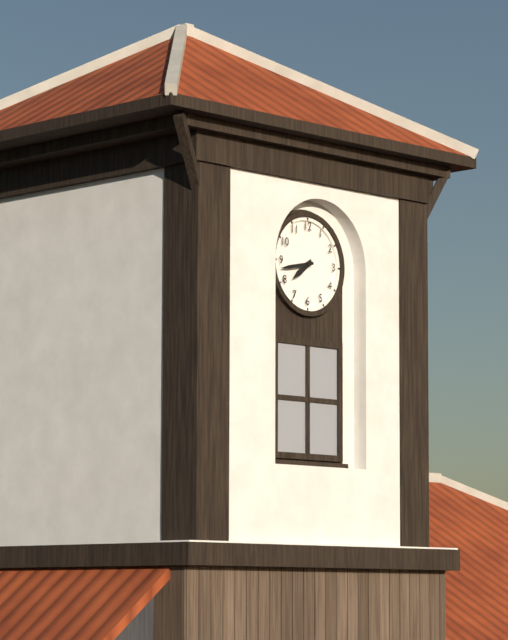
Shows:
7,43
